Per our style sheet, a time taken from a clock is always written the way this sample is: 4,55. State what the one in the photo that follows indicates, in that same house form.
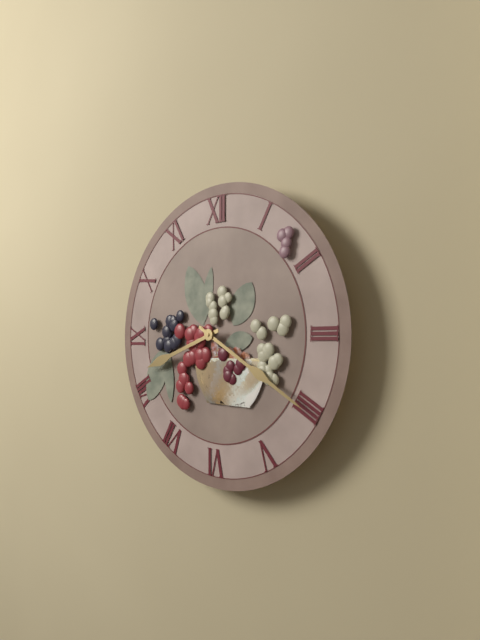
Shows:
8,20
